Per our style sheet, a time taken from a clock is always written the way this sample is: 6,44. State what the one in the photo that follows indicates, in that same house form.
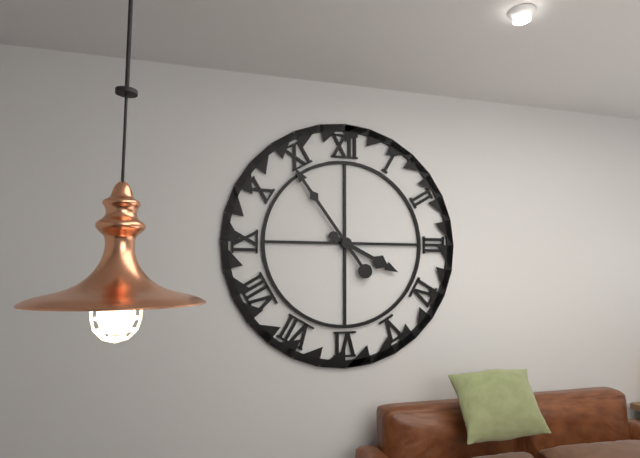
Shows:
3,54
